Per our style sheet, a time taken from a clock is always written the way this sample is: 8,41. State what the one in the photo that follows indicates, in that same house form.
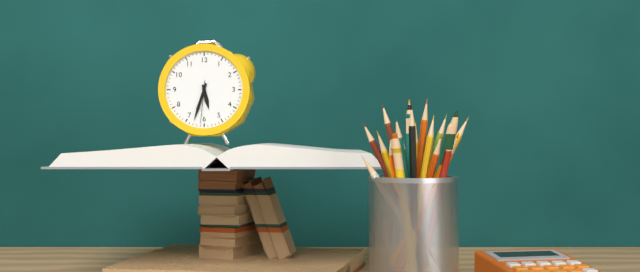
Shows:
5,33
